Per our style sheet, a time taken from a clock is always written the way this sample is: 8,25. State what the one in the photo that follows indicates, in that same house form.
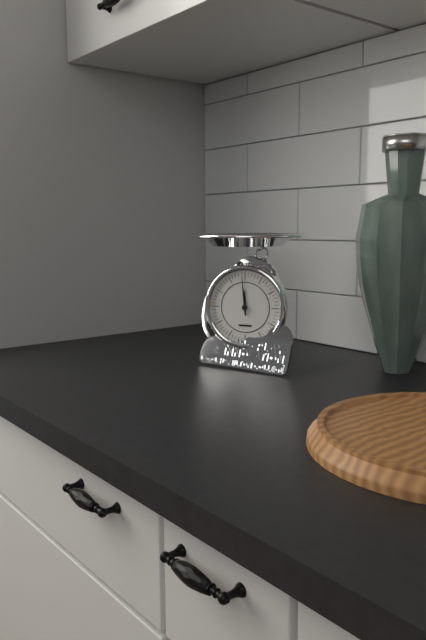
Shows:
11,59
